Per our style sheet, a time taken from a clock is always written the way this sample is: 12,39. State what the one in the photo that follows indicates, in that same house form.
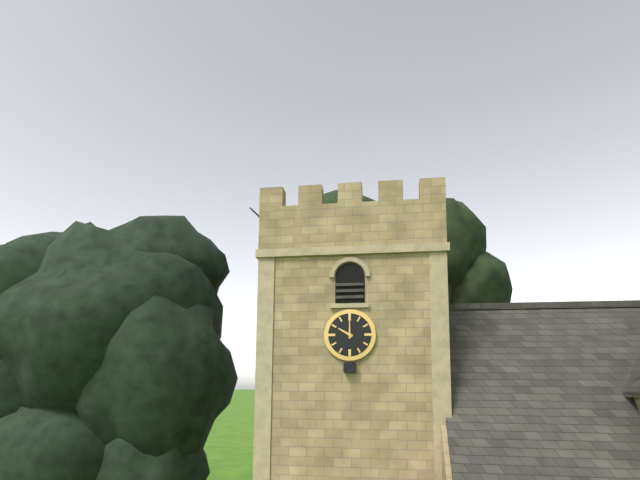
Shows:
10,00
